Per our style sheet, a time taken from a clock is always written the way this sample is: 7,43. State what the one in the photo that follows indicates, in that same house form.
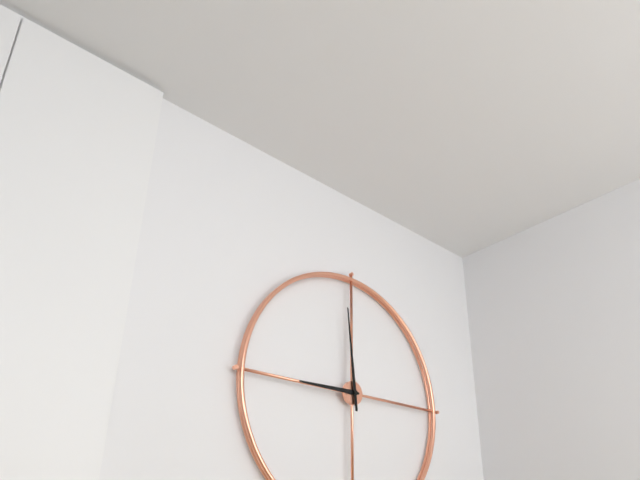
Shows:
8,59
